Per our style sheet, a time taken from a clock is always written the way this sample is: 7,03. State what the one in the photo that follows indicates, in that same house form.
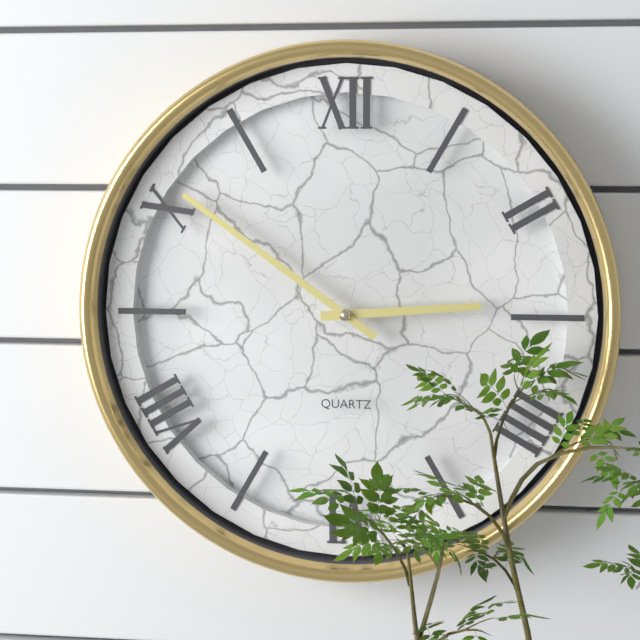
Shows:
2,51
